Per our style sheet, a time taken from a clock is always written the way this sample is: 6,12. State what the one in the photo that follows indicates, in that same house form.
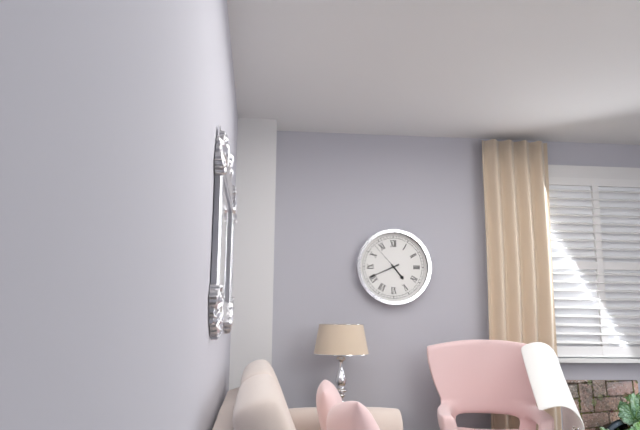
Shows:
4,41
